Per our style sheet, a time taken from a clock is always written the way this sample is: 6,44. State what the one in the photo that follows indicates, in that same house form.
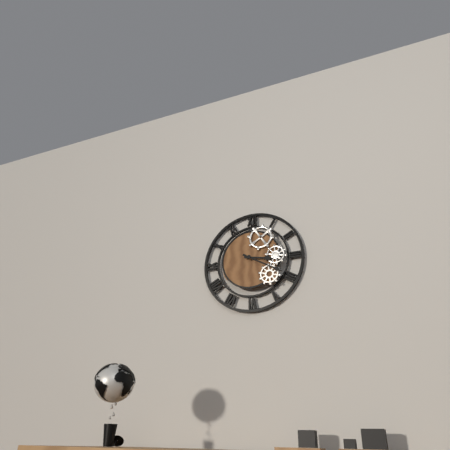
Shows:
3,20
